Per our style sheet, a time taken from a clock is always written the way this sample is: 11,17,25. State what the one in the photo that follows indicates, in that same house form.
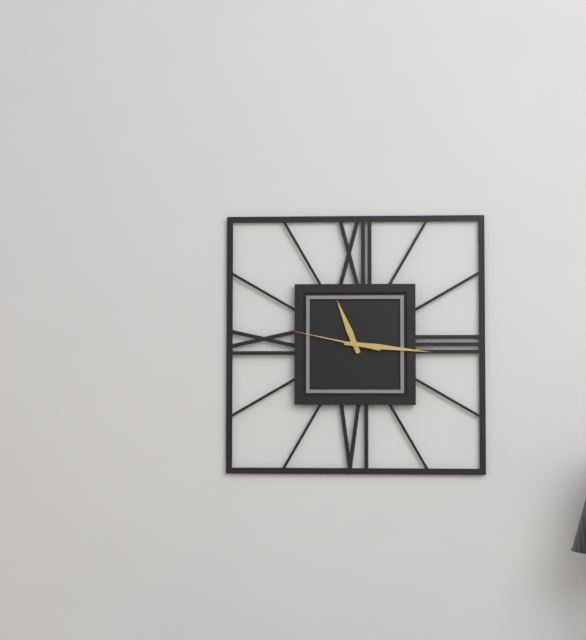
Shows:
11,16,47
